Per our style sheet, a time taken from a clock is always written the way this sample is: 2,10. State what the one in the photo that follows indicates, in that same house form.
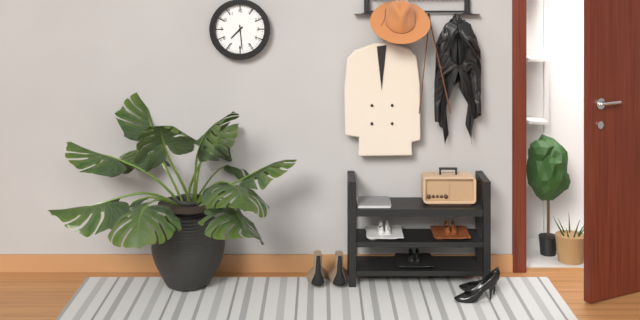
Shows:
7,29
